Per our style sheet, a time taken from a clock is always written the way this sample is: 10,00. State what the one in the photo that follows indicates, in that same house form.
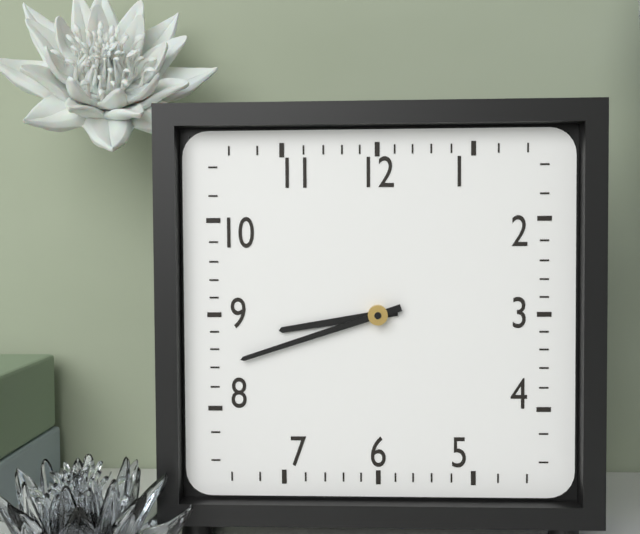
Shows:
8,42
